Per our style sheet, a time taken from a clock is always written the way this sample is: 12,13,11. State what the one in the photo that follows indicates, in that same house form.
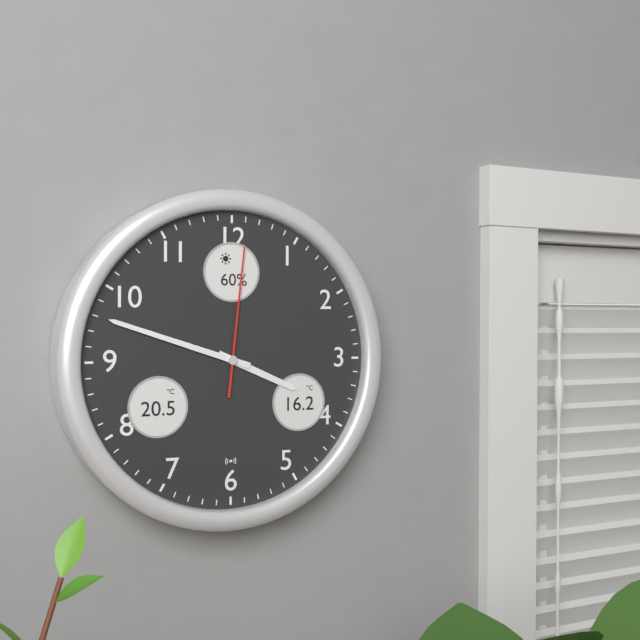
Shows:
3,48,01
